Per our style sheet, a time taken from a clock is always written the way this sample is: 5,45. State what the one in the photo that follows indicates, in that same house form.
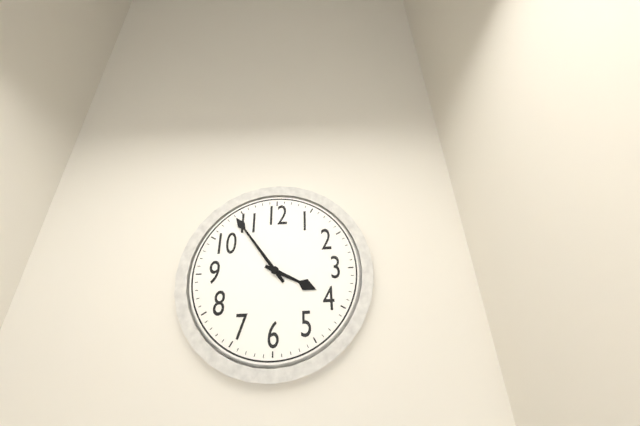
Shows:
3,54
